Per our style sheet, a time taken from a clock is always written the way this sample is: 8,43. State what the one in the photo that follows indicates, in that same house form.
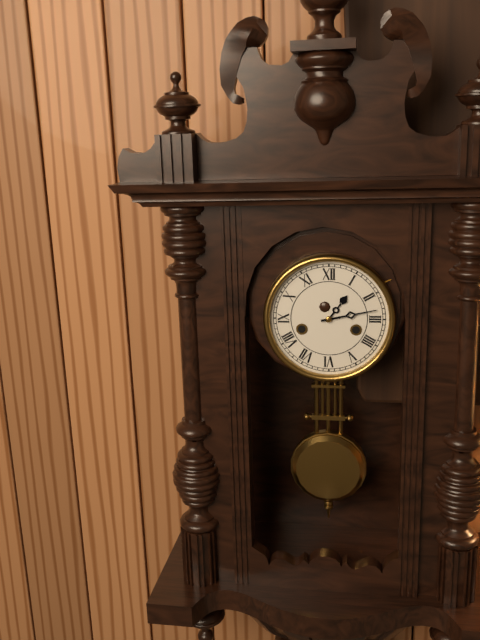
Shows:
1,13
